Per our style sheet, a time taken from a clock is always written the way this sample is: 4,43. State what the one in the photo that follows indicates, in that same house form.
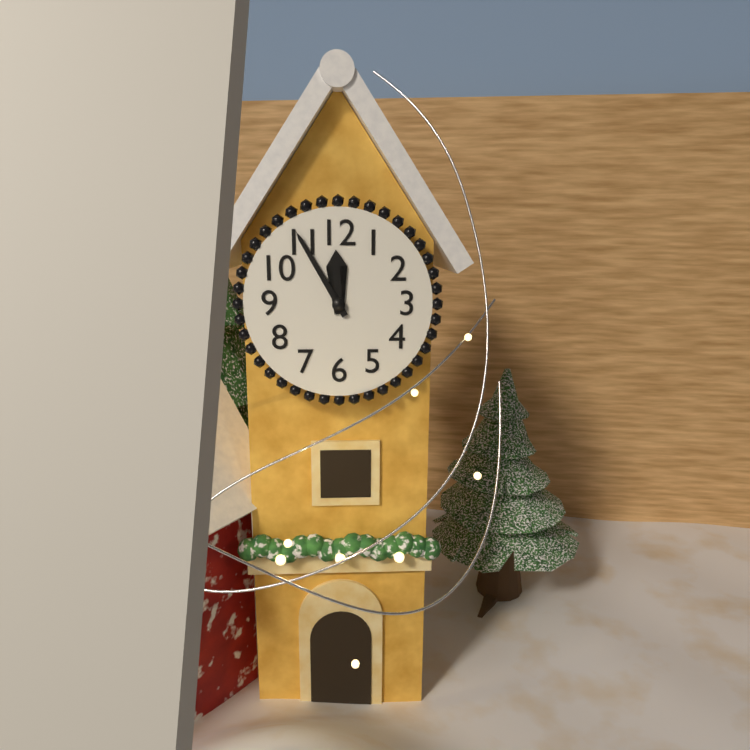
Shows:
11,55
